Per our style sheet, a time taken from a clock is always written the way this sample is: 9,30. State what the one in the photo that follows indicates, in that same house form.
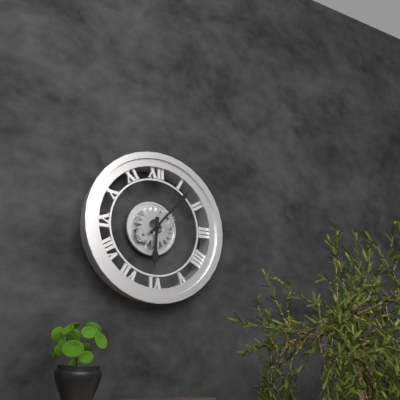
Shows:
6,07
